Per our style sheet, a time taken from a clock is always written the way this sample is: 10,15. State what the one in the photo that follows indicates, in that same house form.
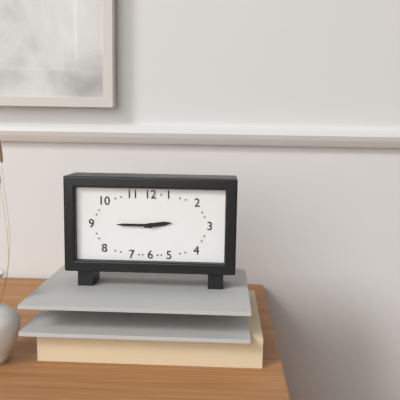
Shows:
2,45
